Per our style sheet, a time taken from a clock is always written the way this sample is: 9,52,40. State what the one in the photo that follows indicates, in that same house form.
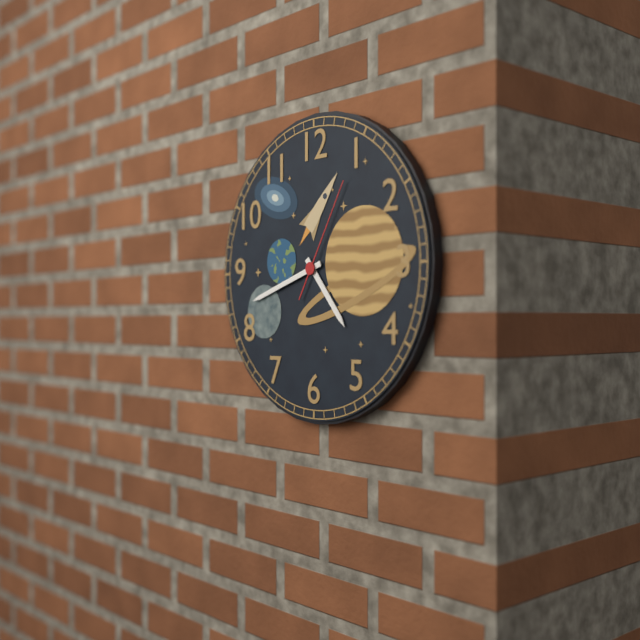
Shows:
4,42,05
